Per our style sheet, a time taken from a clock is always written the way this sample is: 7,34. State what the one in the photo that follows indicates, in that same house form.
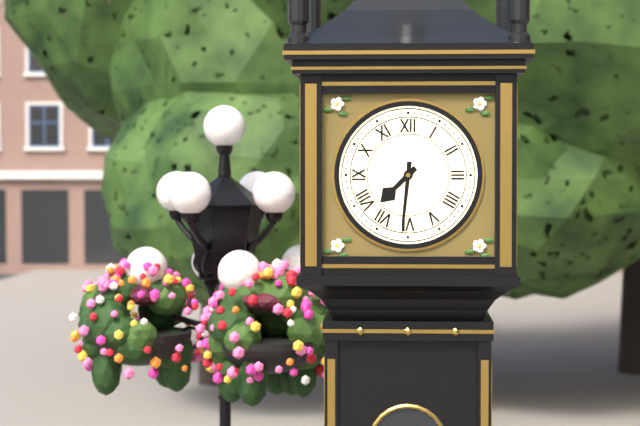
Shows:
7,31
